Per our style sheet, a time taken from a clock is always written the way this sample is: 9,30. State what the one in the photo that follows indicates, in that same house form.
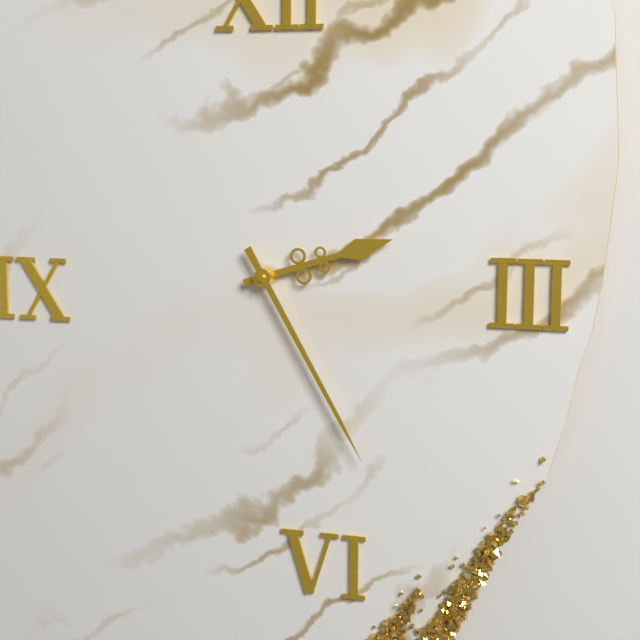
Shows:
2,25
